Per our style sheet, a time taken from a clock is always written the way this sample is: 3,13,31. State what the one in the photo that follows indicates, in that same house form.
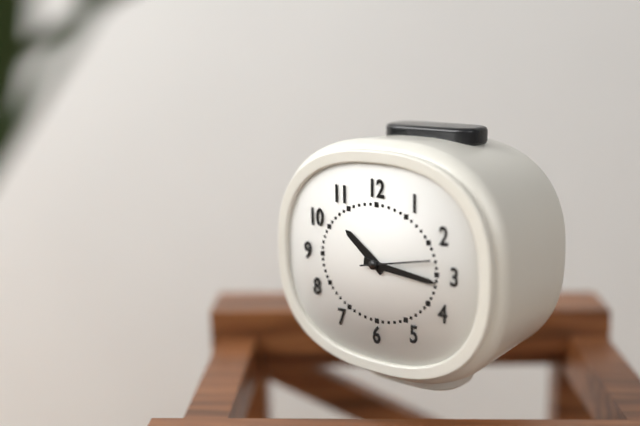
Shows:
10,16,13
